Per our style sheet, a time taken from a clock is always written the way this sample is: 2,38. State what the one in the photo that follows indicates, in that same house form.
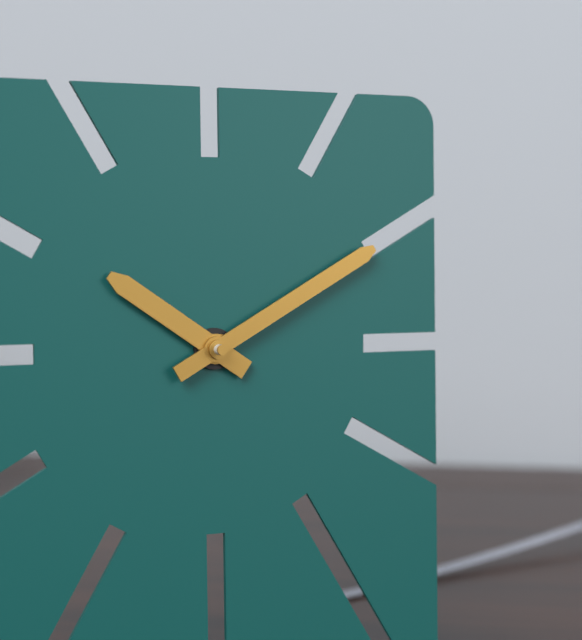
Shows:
10,10
